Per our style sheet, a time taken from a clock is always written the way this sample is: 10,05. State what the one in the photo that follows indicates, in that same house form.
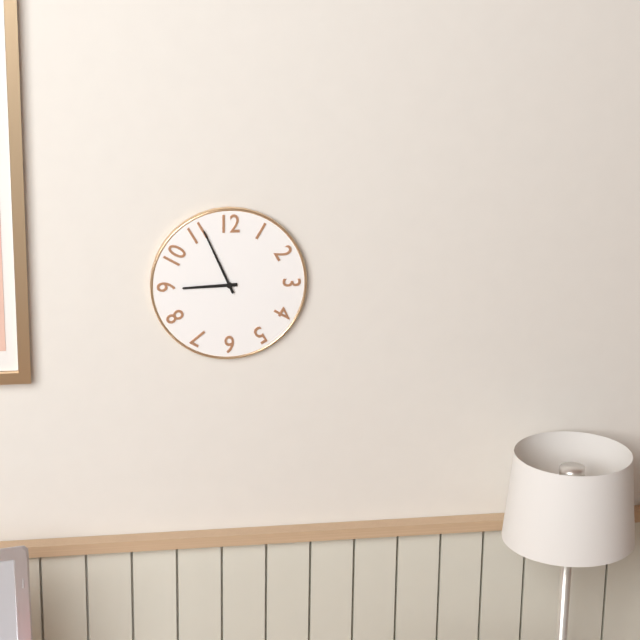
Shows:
8,56
